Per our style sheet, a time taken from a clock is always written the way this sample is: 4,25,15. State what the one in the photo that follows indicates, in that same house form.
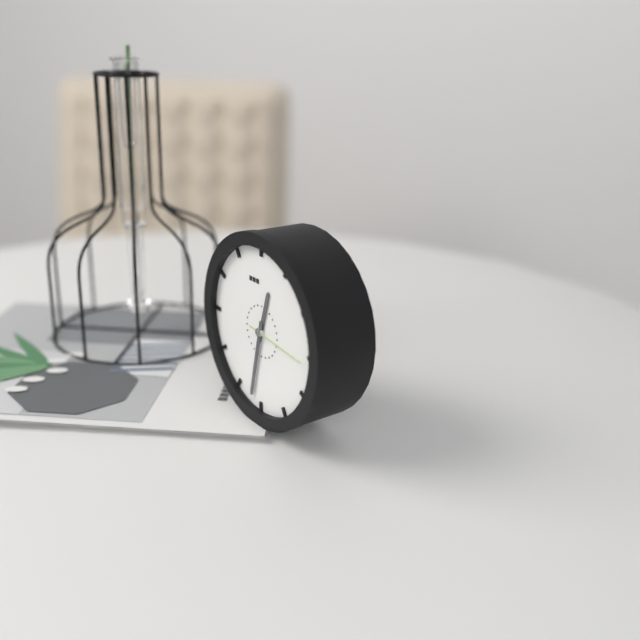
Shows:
12,32,16
